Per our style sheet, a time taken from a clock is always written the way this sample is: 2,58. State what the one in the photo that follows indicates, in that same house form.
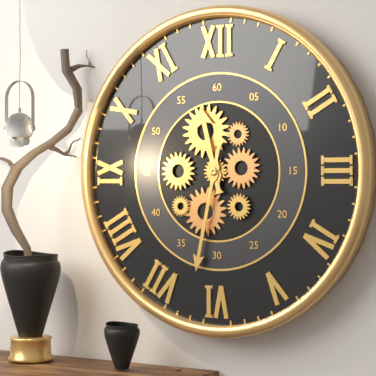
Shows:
11,32
